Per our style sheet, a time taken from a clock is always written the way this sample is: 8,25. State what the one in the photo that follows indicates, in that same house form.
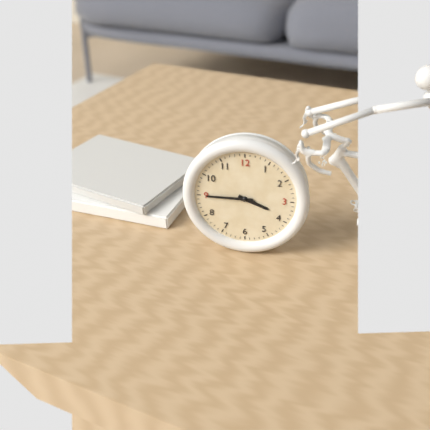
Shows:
3,45
